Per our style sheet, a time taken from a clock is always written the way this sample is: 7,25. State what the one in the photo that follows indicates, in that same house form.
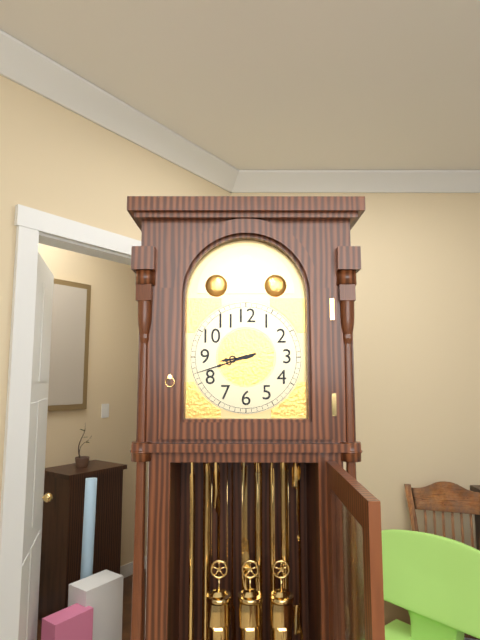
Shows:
8,42
